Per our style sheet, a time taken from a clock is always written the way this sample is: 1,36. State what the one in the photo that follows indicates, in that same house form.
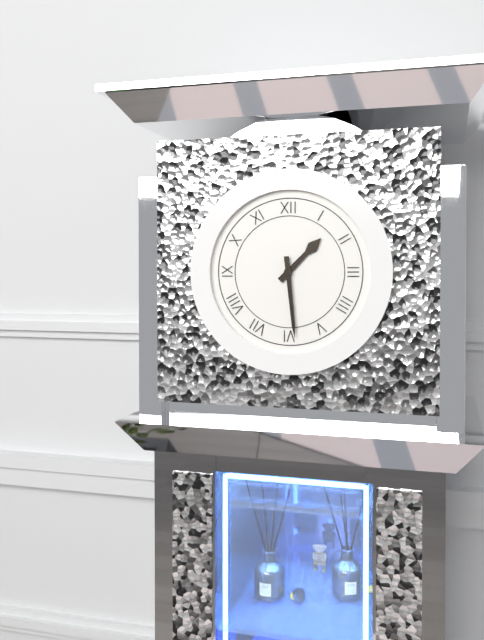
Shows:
1,29
